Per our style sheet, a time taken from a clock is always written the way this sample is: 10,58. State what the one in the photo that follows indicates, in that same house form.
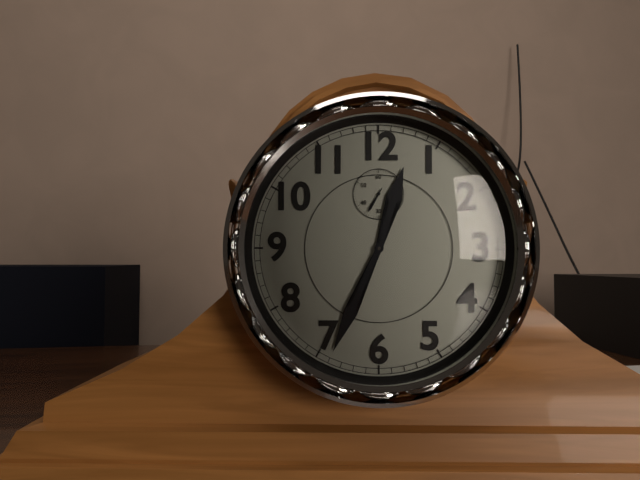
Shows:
12,34
